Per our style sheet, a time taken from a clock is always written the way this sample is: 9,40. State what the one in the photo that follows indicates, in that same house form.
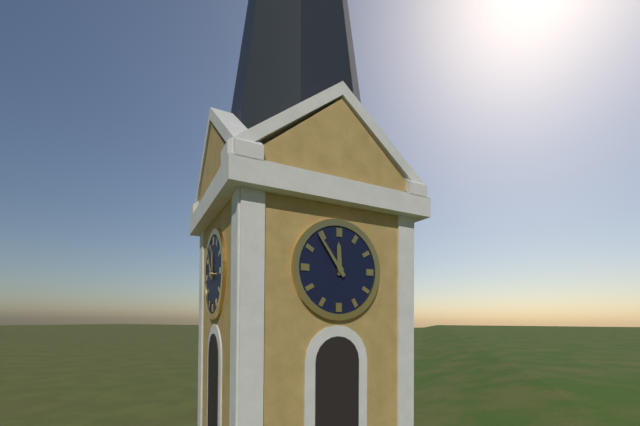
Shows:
11,54
